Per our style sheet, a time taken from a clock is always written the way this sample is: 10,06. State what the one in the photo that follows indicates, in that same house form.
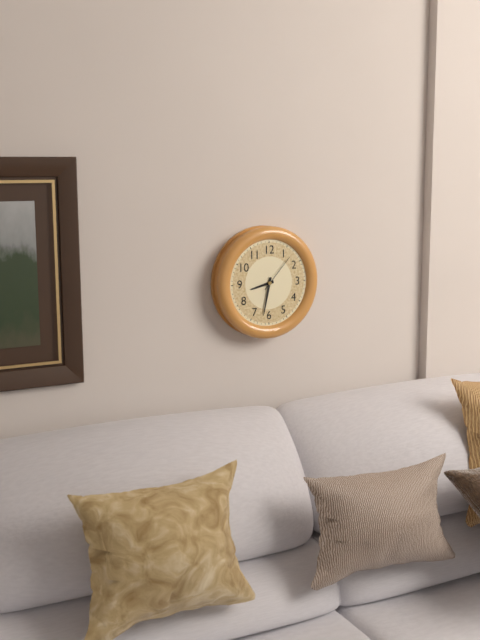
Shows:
8,32
